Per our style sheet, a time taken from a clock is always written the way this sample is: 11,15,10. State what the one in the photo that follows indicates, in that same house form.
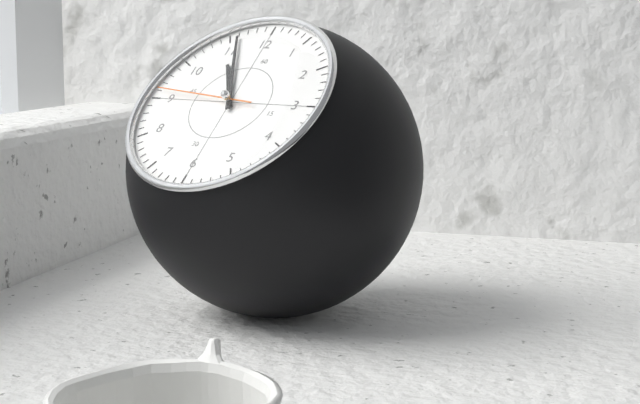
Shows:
10,56,46
